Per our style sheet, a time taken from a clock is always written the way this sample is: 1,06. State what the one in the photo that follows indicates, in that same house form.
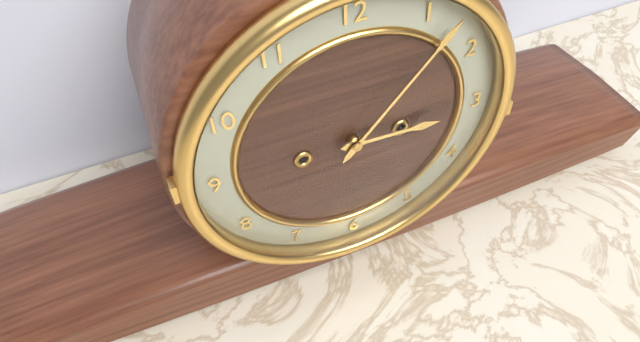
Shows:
3,07
